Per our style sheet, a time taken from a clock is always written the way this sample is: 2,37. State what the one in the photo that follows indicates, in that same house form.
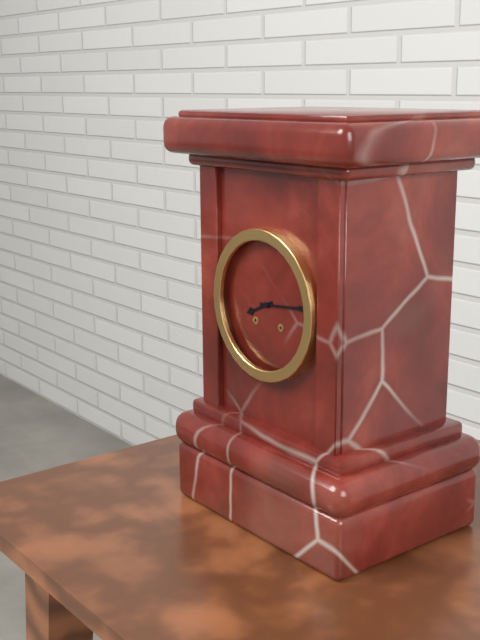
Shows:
8,14
